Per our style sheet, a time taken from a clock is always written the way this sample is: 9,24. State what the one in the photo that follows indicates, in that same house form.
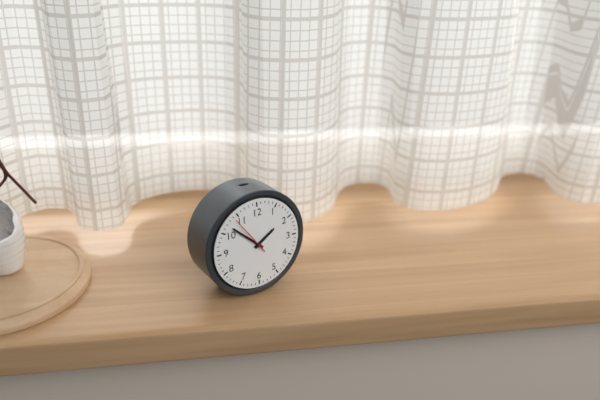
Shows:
1,52
